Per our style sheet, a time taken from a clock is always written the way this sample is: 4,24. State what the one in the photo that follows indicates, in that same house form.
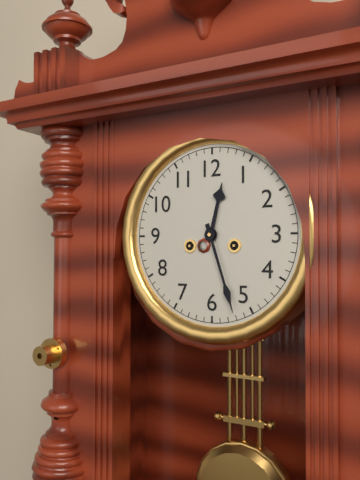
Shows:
12,27
